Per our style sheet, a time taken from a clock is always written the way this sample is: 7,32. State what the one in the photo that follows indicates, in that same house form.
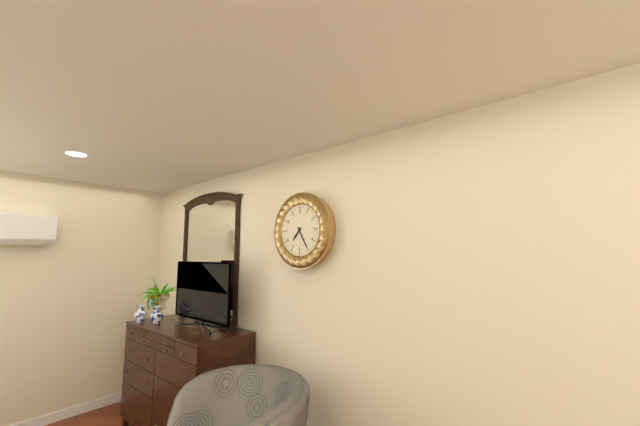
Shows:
7,25
